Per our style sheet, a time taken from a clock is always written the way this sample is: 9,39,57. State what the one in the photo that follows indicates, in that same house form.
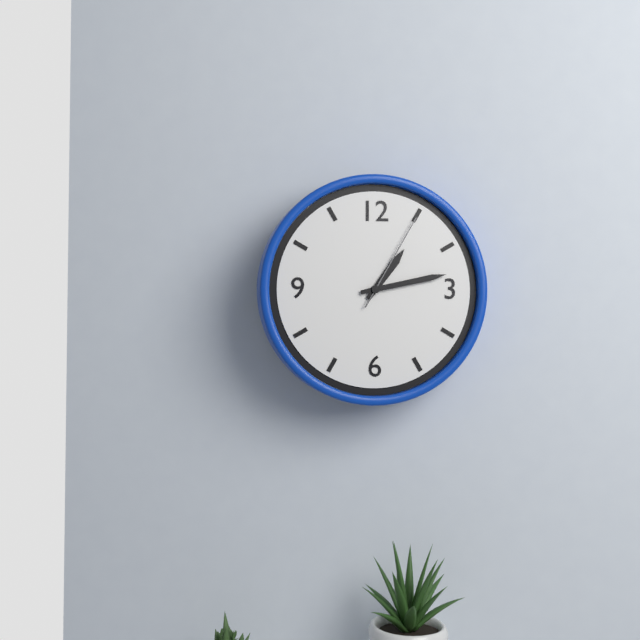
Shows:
1,13,05
